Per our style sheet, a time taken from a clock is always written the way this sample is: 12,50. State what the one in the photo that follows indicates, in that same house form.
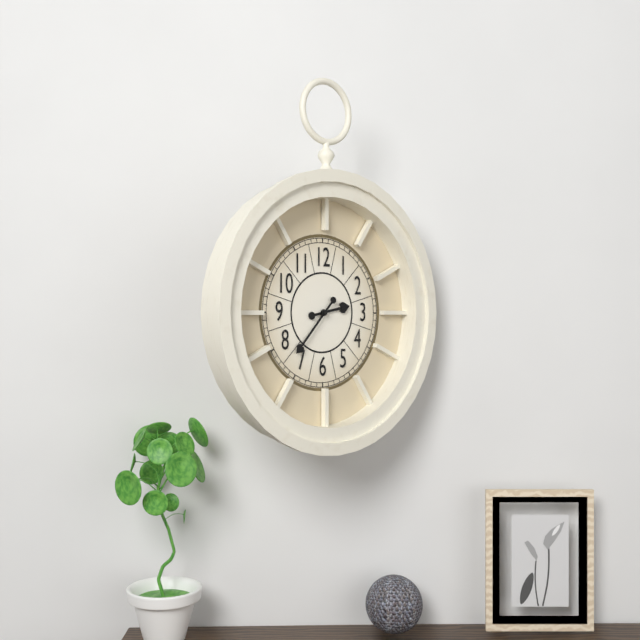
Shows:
2,37
